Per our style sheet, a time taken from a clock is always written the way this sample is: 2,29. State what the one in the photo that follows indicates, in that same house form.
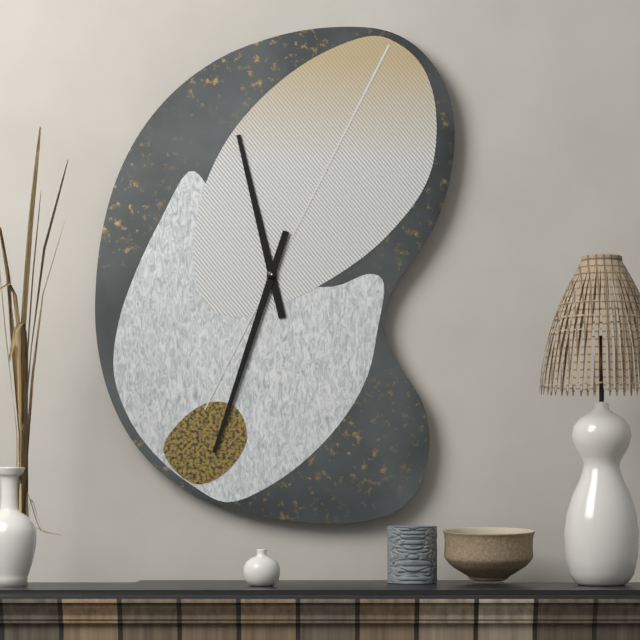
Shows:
11,33
